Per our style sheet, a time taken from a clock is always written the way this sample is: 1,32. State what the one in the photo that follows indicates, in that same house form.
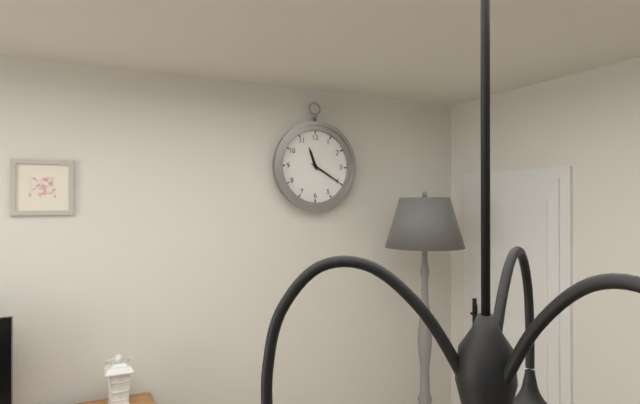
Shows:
11,20
